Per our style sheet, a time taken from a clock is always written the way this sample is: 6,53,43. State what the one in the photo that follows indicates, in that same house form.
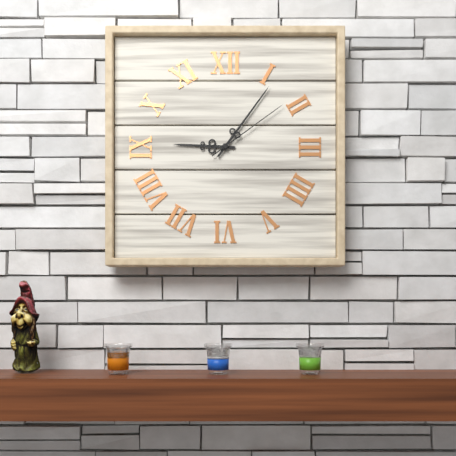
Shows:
9,06,09
